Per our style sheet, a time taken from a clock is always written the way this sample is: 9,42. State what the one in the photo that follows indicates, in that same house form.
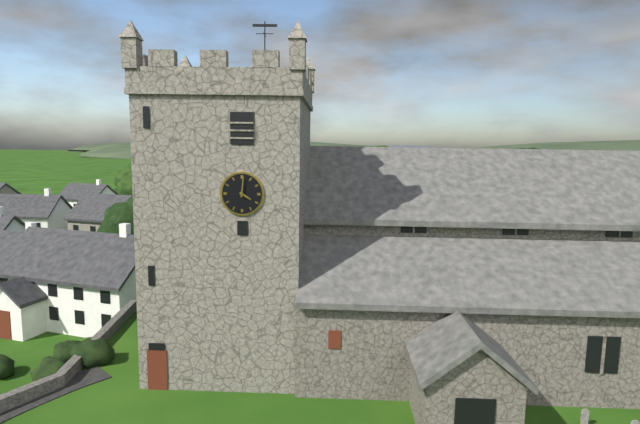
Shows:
4,01
